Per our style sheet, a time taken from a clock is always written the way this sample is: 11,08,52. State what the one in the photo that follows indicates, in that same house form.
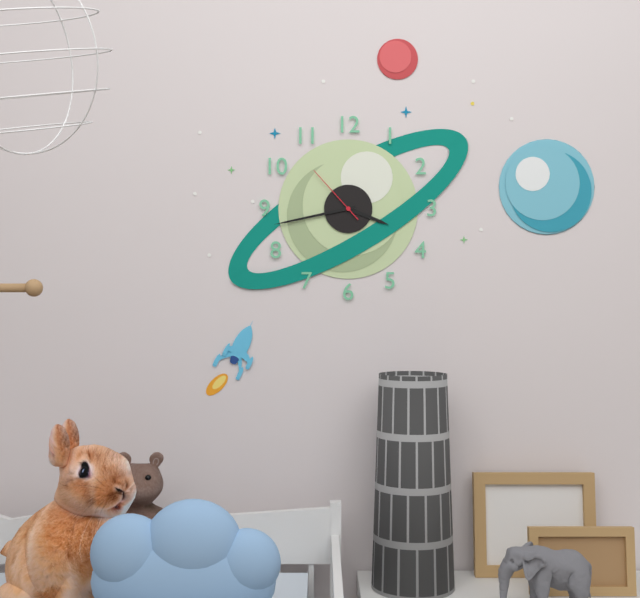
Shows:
3,43,53
